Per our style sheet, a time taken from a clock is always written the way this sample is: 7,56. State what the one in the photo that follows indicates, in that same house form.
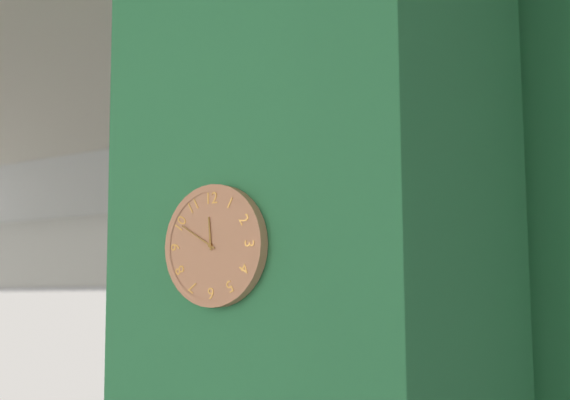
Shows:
11,50
